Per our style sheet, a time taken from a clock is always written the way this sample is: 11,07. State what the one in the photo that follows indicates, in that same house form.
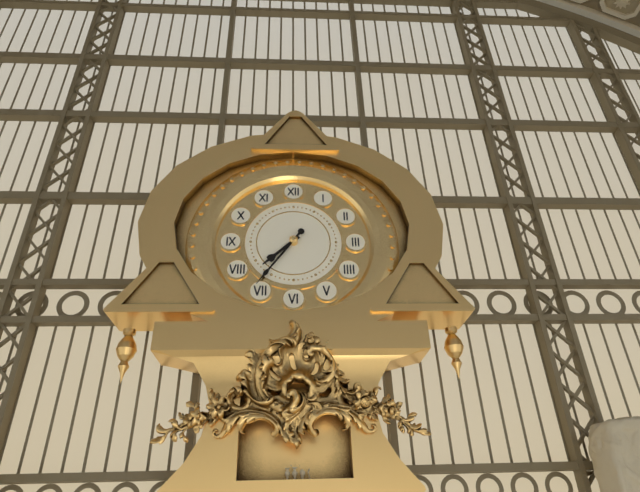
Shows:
7,36
